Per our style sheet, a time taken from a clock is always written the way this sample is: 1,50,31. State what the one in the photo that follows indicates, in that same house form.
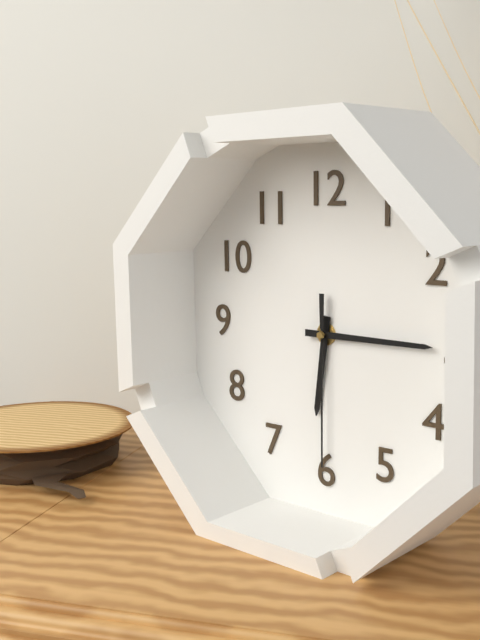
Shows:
6,15,30
